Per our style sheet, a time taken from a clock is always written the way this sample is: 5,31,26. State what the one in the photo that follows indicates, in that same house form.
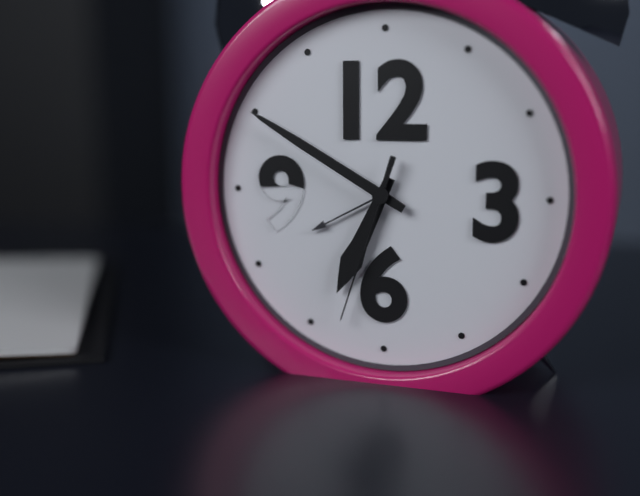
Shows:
6,50,33
